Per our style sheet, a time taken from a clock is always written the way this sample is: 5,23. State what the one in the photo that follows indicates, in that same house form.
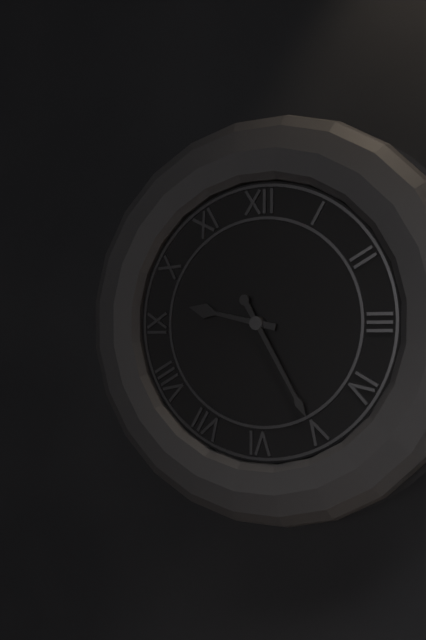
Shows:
9,25
